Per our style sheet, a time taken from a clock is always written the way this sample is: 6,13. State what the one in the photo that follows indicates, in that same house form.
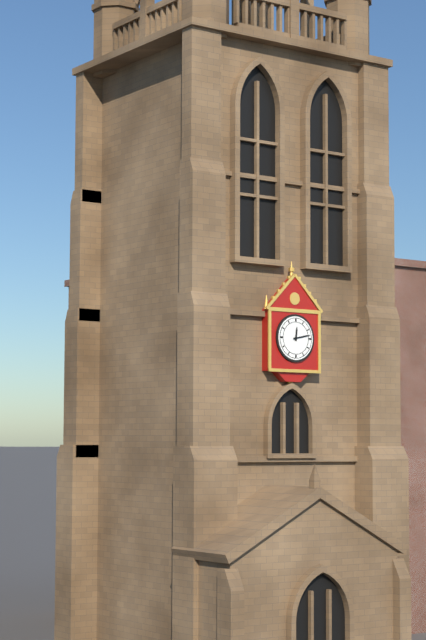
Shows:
12,13
